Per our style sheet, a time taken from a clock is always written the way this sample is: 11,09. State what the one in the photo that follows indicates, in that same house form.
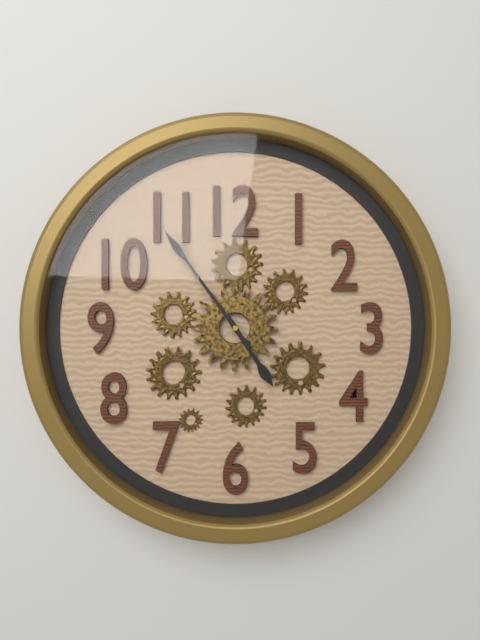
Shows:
4,54
